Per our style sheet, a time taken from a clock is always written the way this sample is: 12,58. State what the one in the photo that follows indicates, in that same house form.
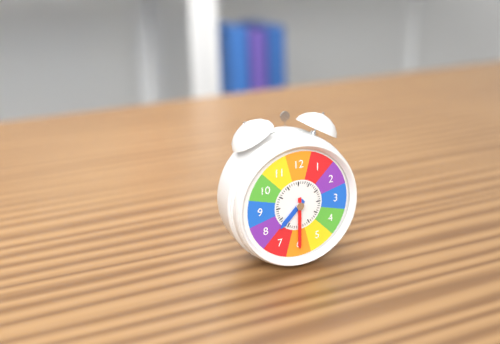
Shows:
7,30
